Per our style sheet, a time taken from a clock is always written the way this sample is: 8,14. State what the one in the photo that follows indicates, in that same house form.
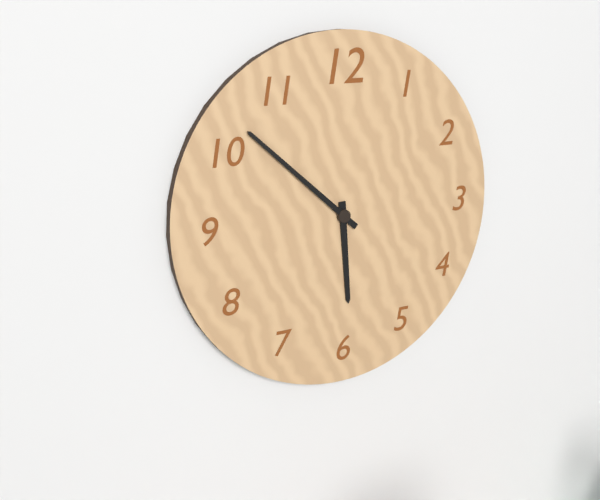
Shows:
5,52
